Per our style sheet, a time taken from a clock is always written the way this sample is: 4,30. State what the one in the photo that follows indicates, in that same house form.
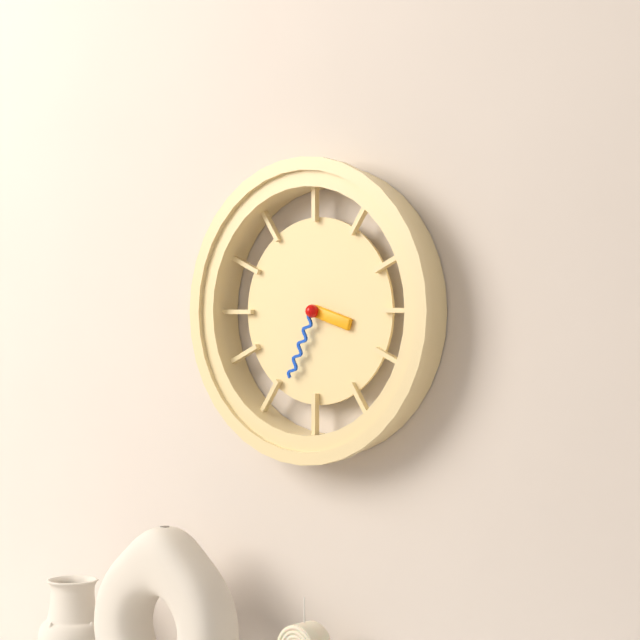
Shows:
3,34
